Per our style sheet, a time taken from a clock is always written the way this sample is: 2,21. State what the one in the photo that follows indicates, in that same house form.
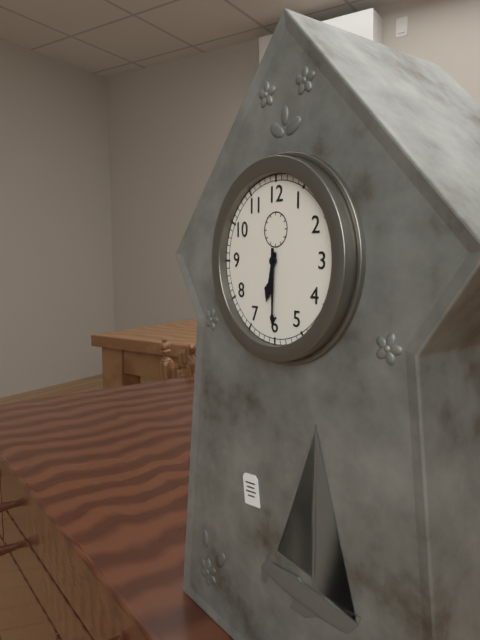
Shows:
6,30
